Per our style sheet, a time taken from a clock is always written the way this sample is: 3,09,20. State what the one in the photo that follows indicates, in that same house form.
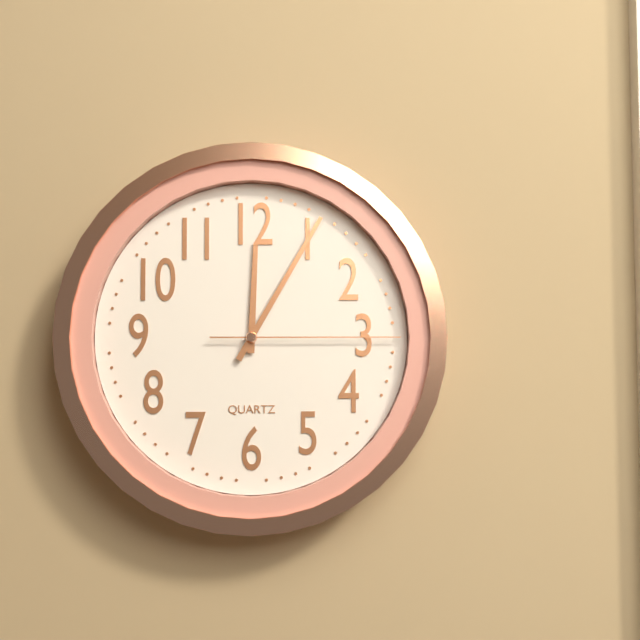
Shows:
12,05,15
